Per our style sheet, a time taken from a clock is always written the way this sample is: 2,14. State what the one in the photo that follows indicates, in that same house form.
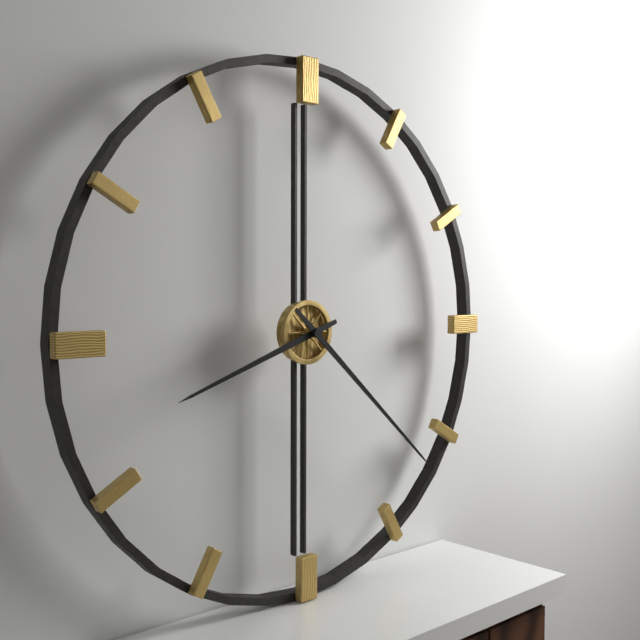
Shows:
8,22
